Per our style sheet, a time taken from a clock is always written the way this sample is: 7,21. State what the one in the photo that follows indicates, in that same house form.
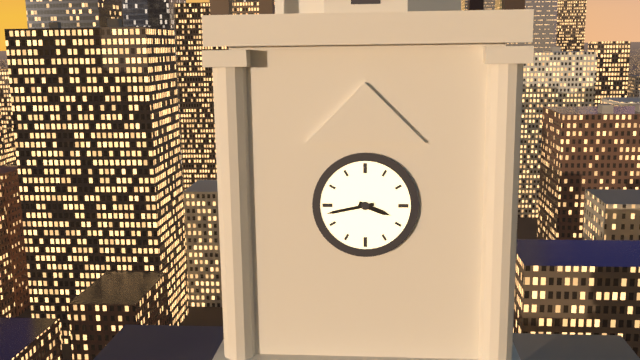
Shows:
3,43
